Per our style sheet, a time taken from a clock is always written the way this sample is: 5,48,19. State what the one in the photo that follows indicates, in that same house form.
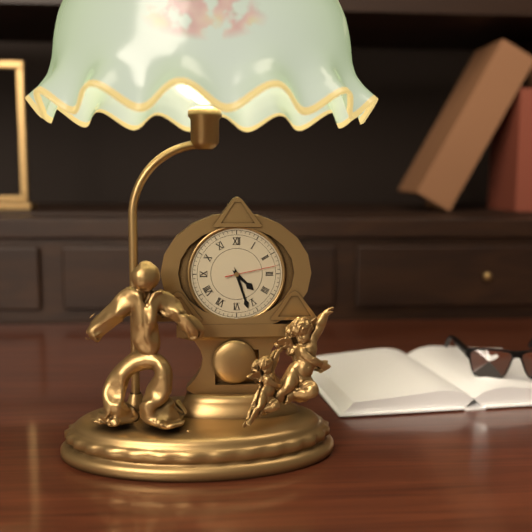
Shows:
4,27,13
